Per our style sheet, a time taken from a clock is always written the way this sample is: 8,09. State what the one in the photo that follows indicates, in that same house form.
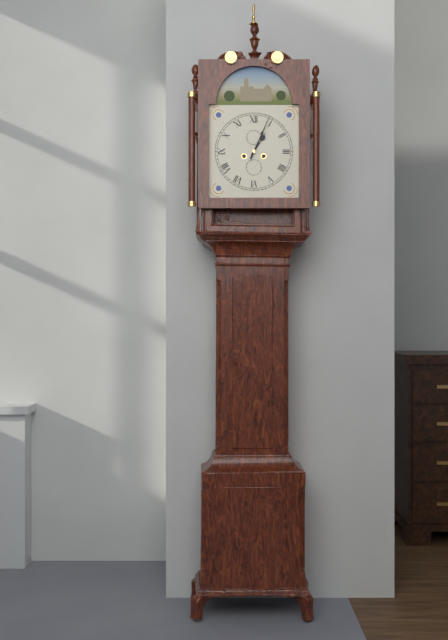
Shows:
1,04
